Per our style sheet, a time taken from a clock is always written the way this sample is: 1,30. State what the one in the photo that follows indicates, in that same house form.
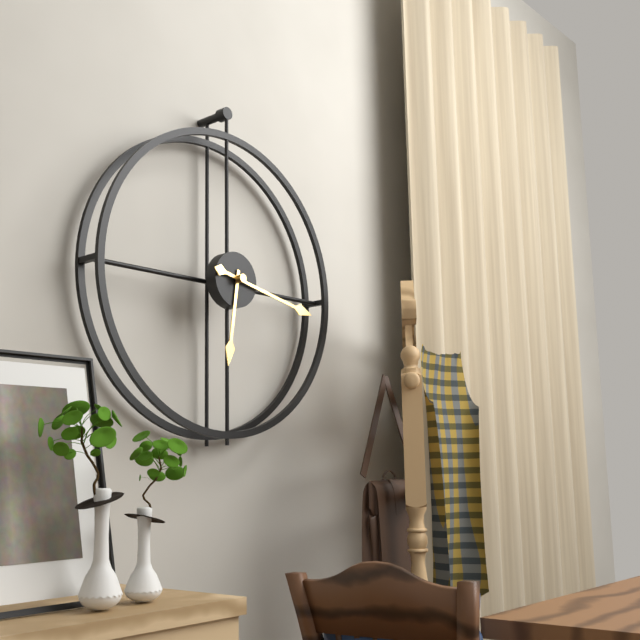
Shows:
6,17
